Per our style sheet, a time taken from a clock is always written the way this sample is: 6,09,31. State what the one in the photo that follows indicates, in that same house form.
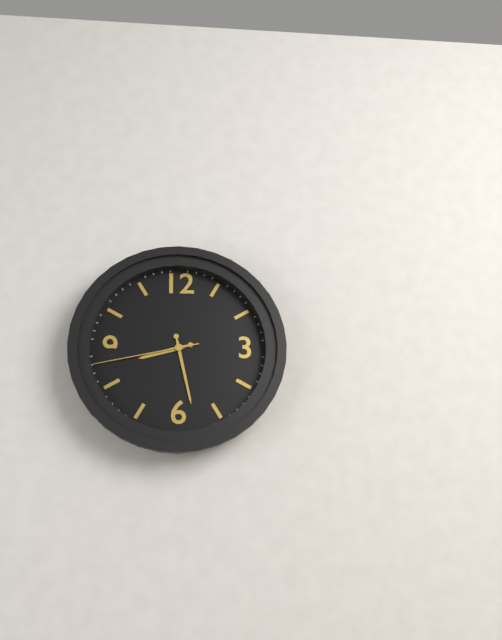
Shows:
8,28,43
